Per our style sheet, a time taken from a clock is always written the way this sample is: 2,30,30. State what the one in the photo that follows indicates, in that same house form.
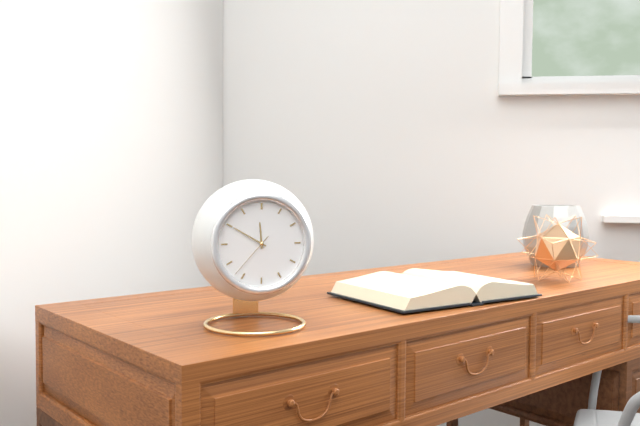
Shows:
11,50,37
